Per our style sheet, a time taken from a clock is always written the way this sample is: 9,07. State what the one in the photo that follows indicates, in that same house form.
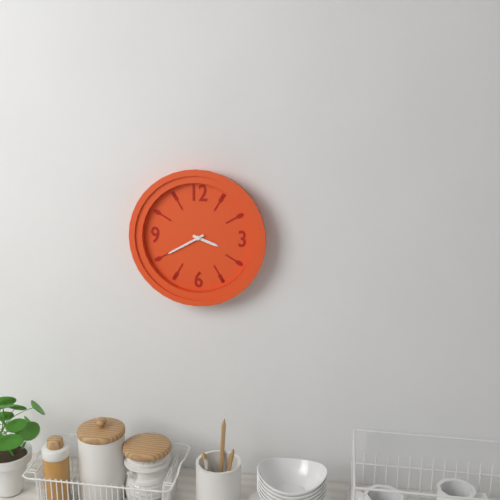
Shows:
3,40
